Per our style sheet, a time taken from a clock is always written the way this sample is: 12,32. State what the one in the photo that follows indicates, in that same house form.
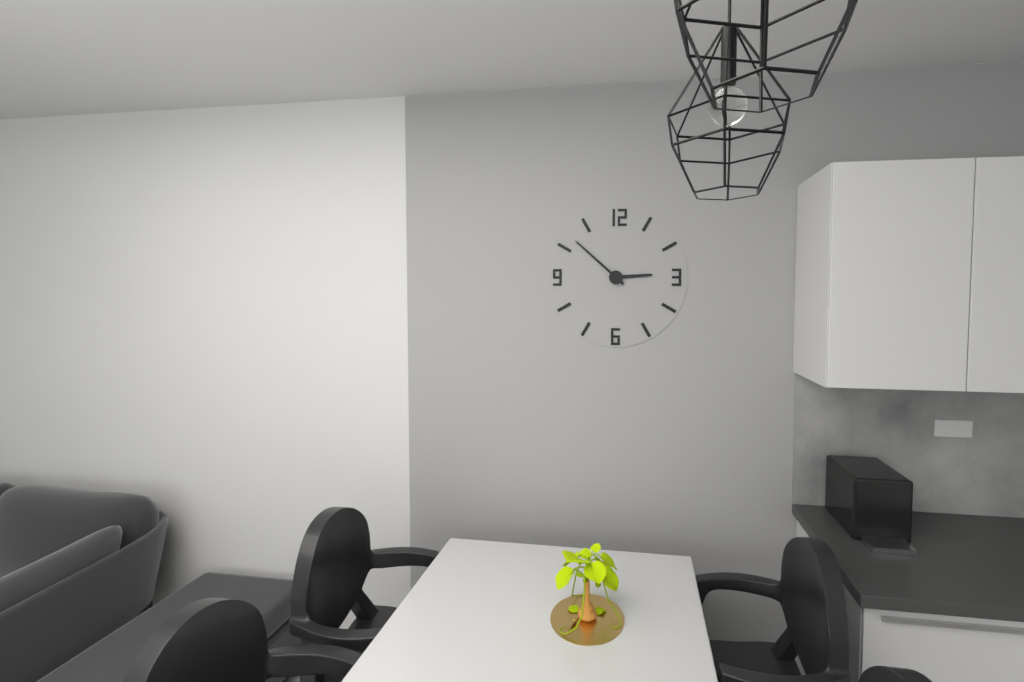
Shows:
2,52
